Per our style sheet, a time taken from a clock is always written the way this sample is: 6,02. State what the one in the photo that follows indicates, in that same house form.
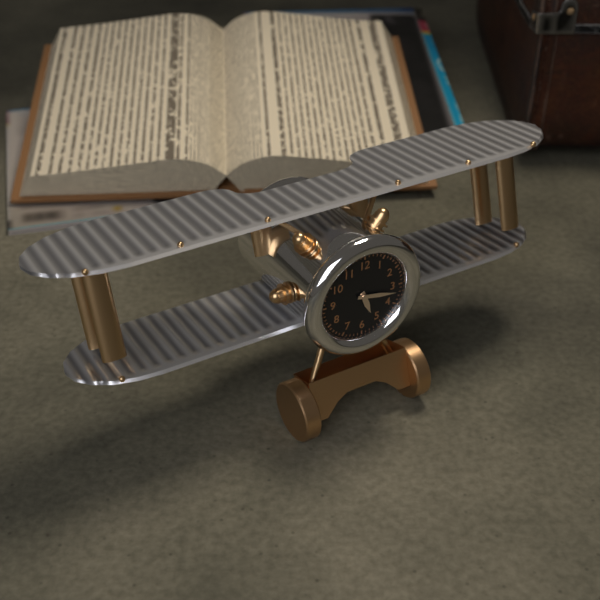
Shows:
5,17
